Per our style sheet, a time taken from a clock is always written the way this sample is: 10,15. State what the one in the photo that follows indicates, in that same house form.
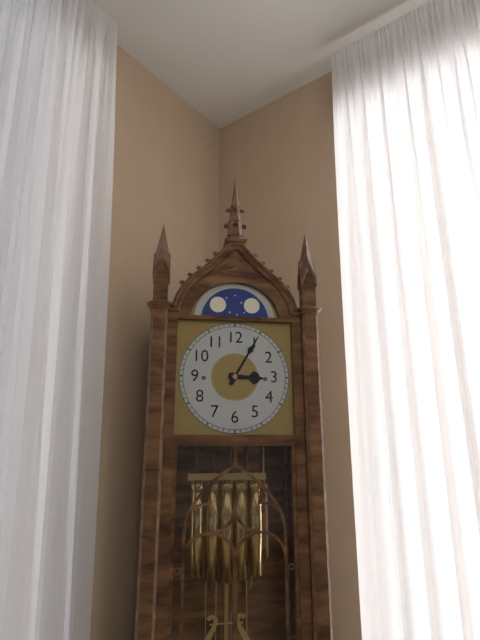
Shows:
3,05
